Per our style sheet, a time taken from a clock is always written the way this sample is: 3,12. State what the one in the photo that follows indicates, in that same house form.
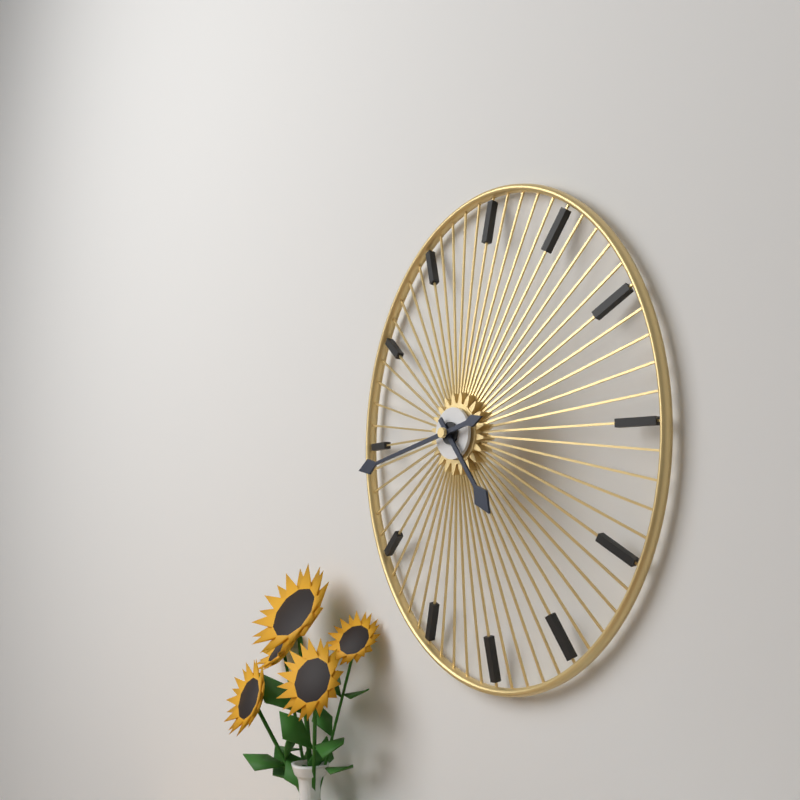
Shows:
4,43
